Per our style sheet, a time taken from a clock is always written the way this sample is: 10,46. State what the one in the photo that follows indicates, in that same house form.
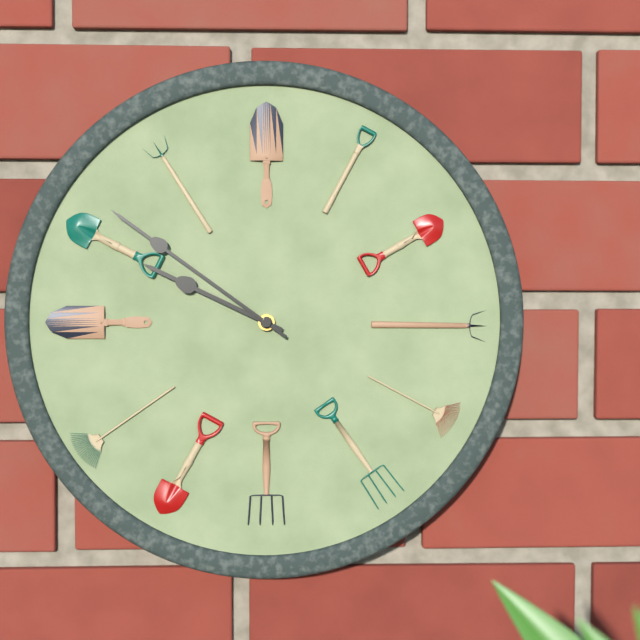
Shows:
9,51
